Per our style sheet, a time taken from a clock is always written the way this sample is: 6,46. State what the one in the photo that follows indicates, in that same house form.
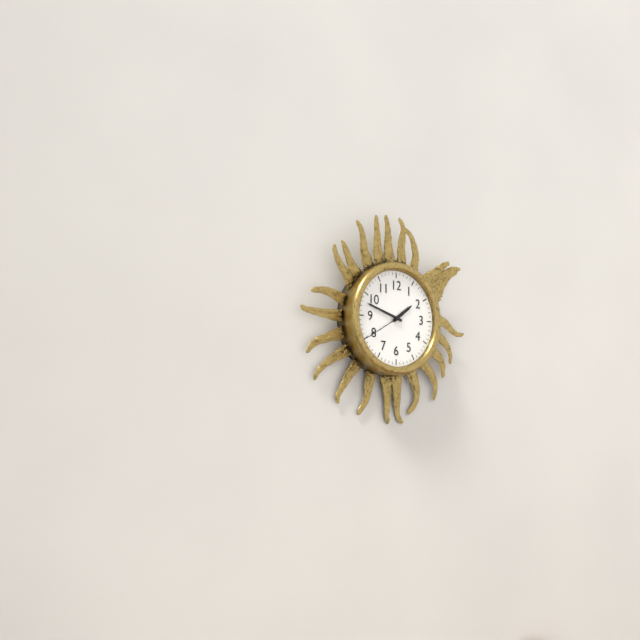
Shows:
1,48
